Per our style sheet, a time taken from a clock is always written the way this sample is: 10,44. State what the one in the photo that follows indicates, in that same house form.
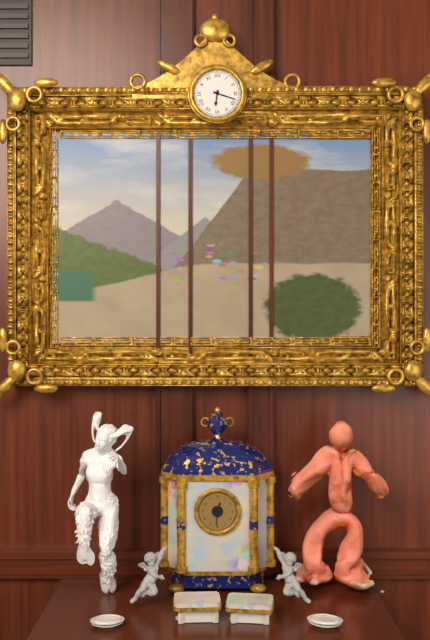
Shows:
6,18
